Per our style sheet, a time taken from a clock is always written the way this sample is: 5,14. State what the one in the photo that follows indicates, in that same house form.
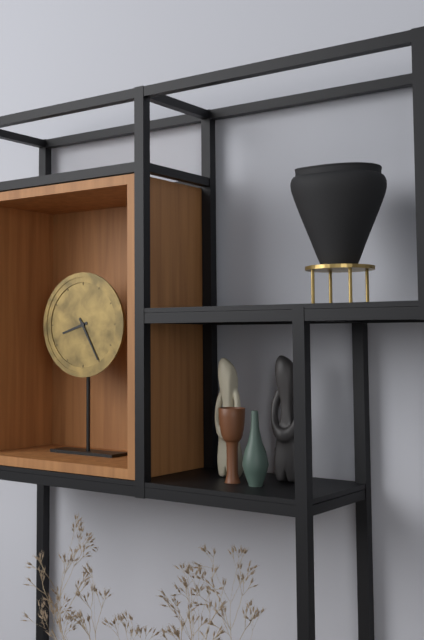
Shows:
8,25
